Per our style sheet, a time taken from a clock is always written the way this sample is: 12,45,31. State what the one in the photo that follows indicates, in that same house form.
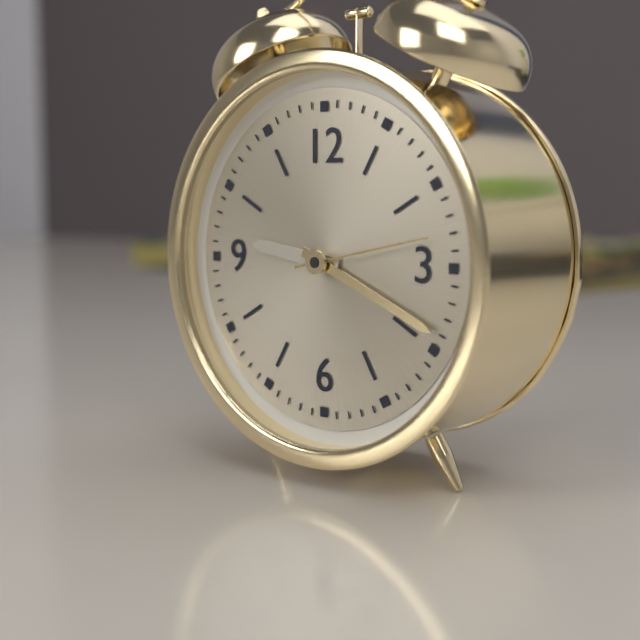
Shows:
9,19,13
